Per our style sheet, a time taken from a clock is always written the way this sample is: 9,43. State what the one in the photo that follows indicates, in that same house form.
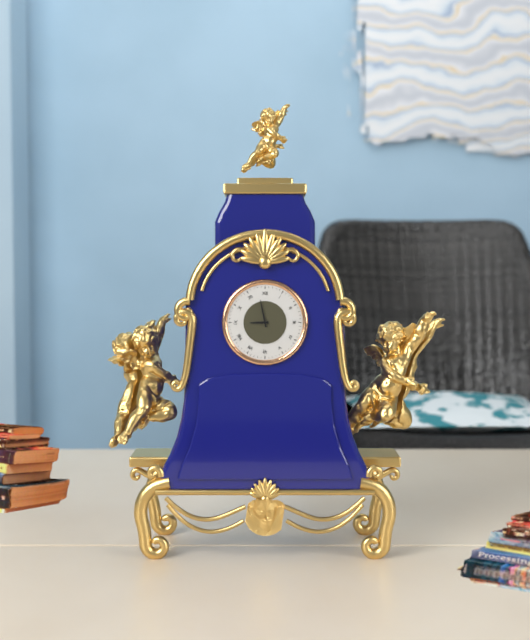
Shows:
8,58
